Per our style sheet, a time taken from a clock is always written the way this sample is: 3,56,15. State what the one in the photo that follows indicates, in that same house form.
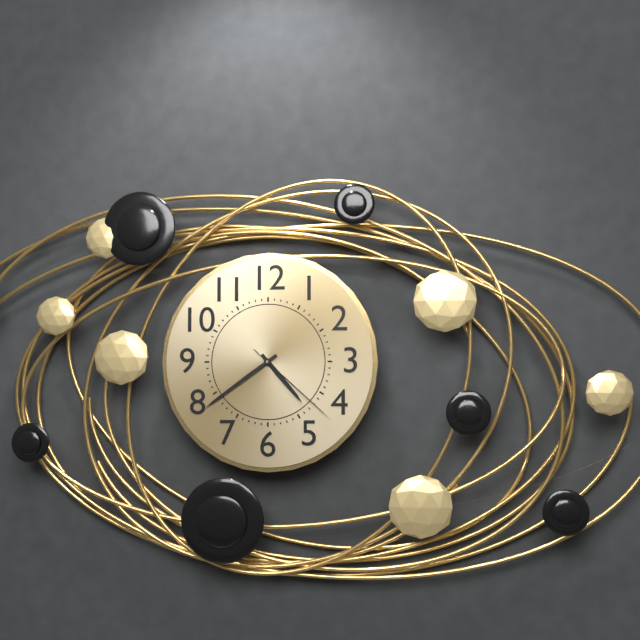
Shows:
4,39,22
